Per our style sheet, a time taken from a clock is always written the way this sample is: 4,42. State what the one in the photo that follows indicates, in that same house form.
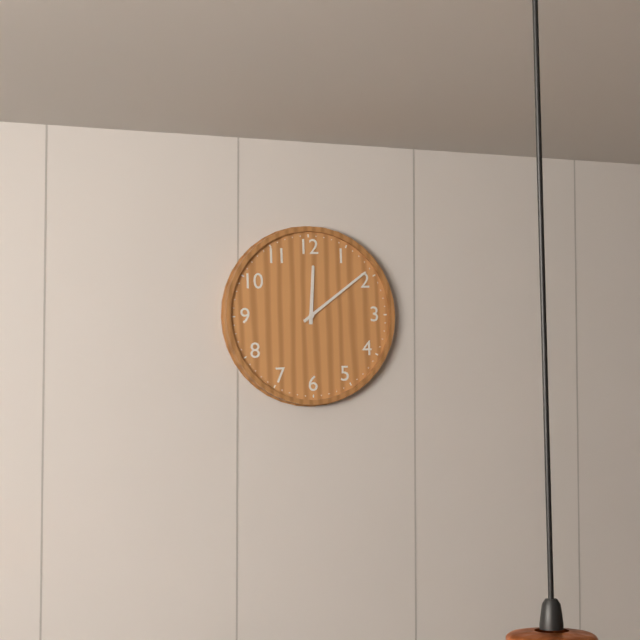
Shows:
12,09
